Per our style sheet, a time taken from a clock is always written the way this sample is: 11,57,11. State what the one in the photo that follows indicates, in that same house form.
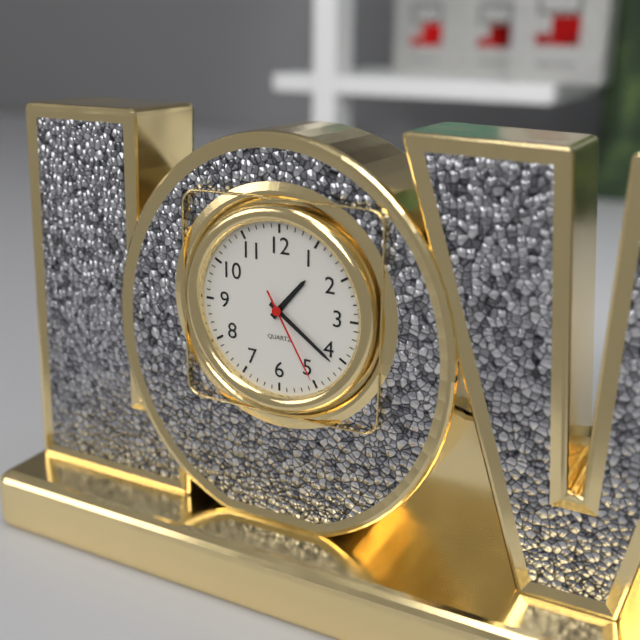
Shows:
1,21,25
